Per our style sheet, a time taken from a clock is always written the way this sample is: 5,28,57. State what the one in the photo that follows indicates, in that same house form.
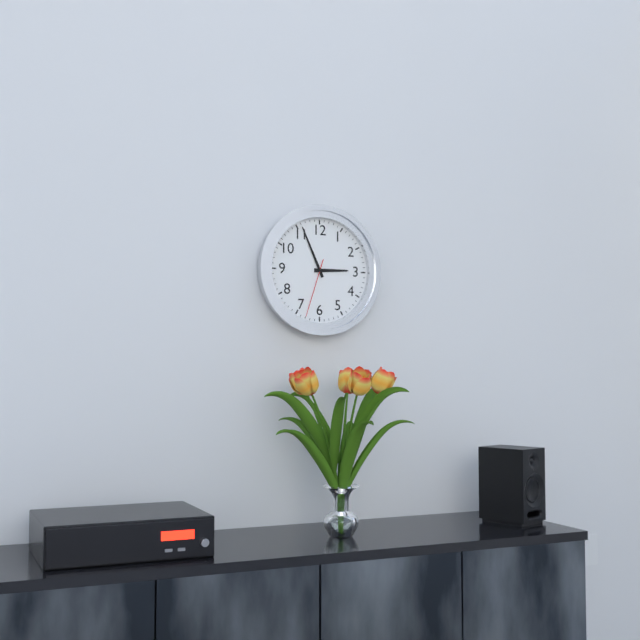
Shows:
2,56,33
